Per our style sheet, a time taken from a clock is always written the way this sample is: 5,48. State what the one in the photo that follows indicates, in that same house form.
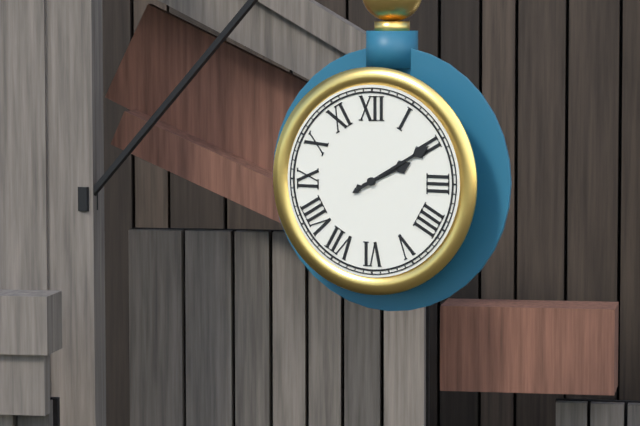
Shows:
2,10
